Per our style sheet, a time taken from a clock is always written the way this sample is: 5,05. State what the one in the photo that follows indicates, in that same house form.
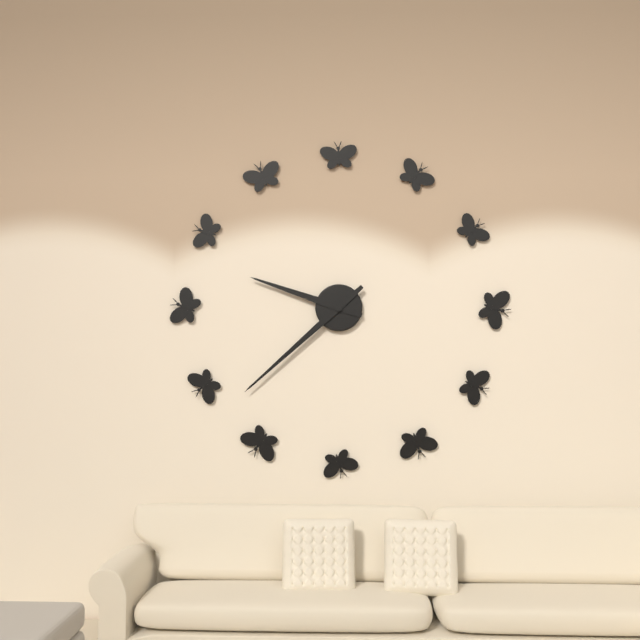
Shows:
9,38
